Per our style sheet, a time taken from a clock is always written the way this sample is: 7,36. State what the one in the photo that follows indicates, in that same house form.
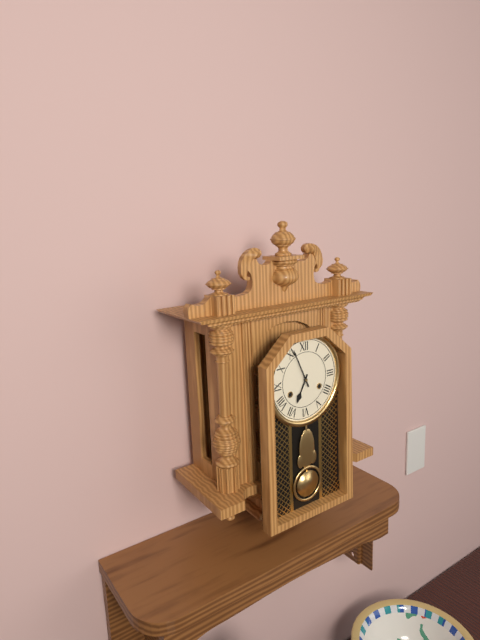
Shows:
6,56
